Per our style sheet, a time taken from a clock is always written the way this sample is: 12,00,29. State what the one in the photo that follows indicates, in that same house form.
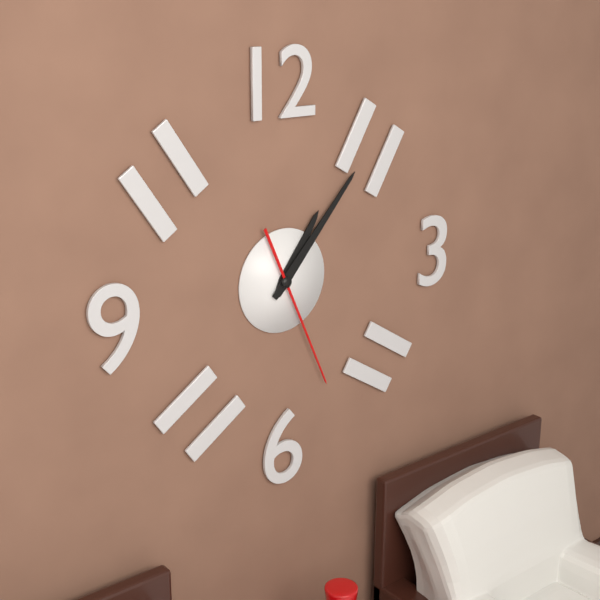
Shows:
1,07,26
